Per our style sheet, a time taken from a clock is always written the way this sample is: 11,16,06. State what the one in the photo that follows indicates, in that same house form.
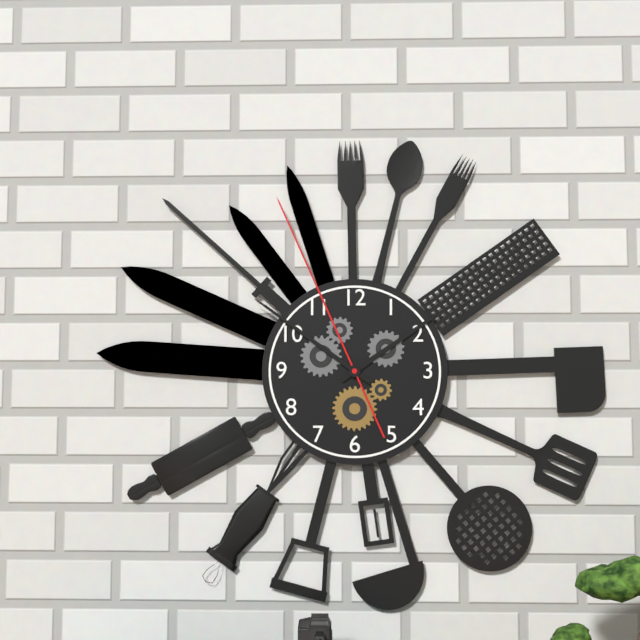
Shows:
1,51,56
